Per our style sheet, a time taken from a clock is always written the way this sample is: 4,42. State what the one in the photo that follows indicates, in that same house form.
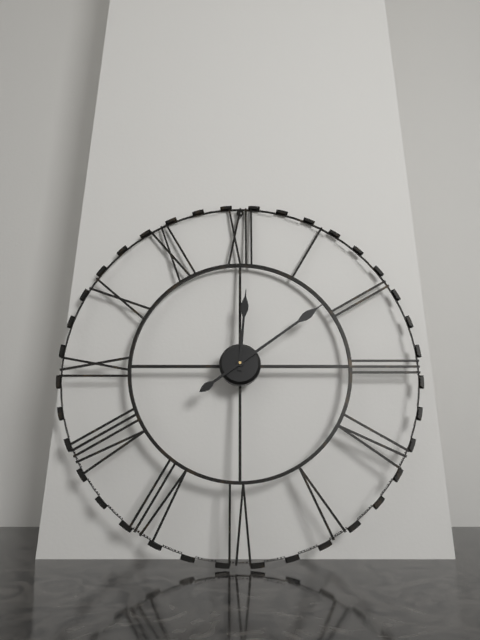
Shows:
12,09
